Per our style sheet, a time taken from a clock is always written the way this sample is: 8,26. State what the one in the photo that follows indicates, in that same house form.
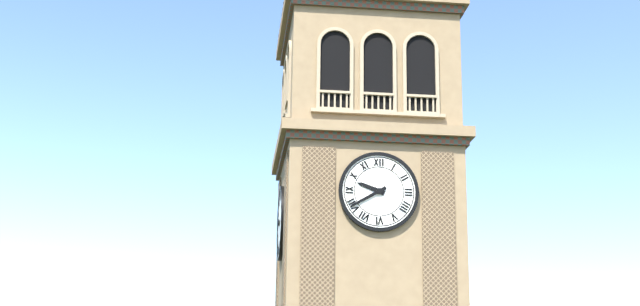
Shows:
9,40
